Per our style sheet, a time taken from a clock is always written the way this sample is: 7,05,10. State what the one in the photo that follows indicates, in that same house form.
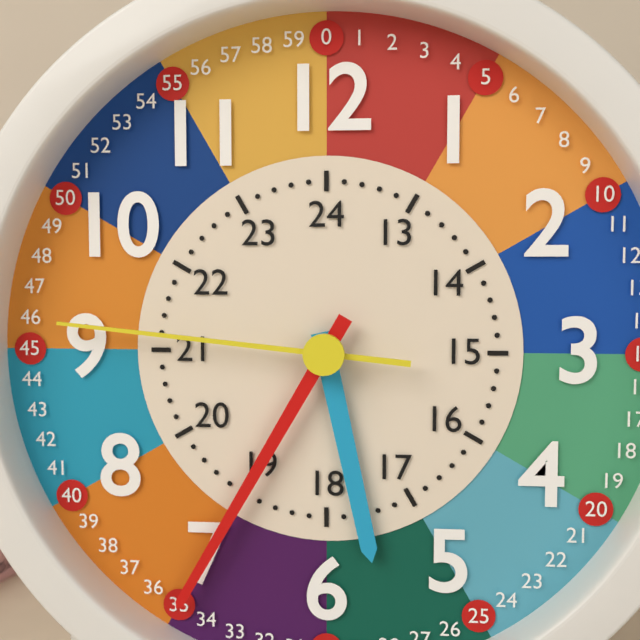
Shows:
5,35,46
